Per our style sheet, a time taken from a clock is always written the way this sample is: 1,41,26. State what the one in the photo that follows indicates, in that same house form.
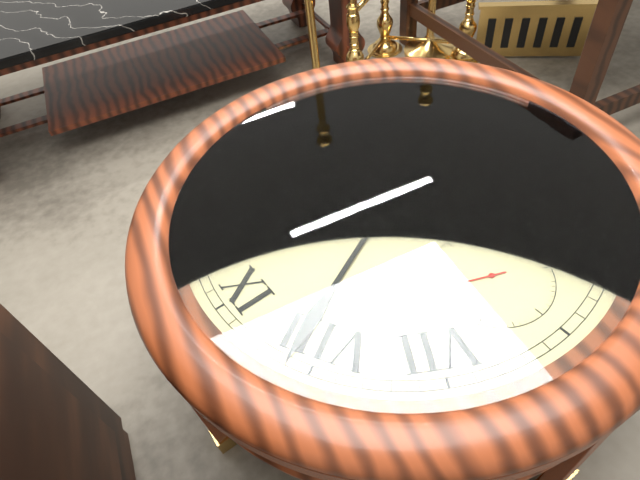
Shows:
10,41,49
